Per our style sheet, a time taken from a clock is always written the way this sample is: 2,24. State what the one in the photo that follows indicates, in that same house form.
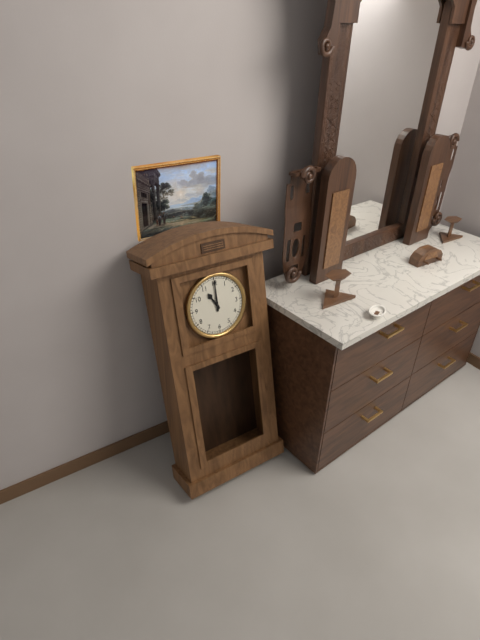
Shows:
11,00
